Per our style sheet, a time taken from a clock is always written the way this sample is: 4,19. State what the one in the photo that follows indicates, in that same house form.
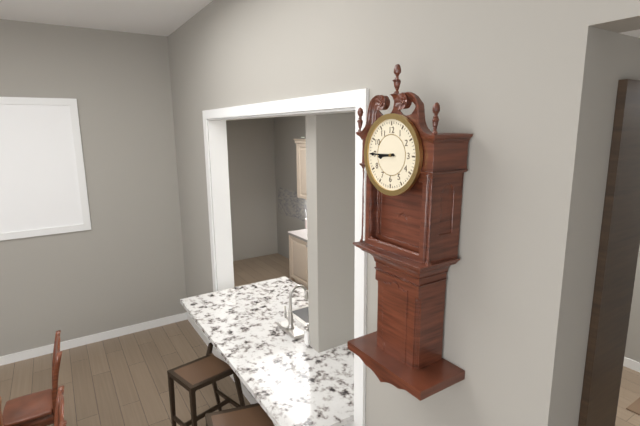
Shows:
8,45
